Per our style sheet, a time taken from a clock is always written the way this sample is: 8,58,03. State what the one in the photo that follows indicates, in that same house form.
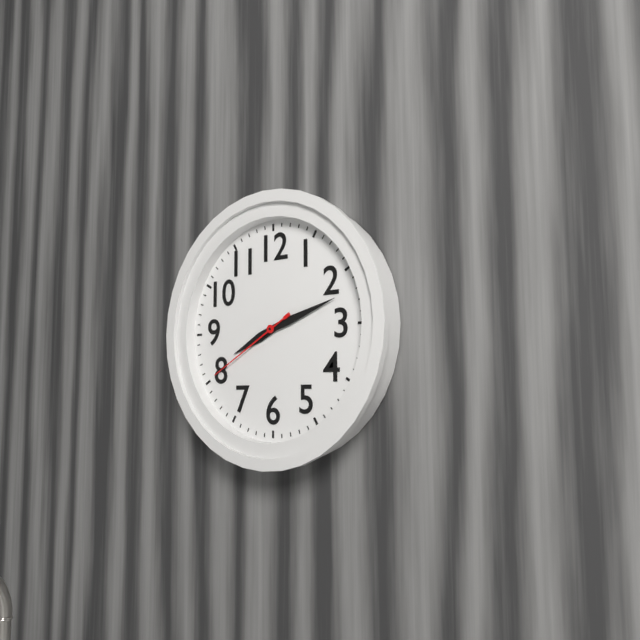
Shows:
8,12,40
